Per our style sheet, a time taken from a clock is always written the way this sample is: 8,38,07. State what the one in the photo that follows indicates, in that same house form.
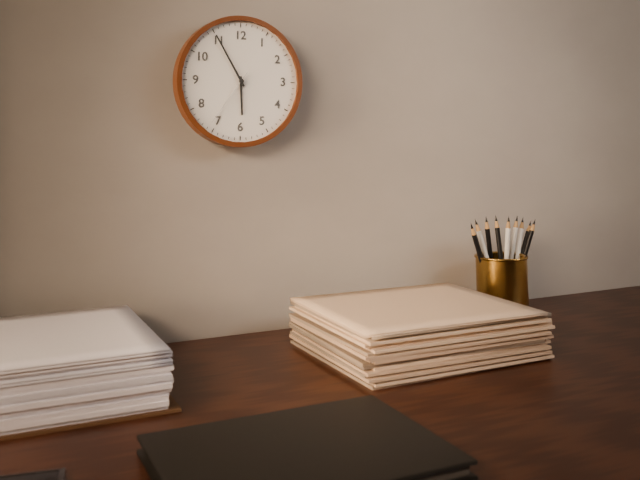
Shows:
5,55,36
